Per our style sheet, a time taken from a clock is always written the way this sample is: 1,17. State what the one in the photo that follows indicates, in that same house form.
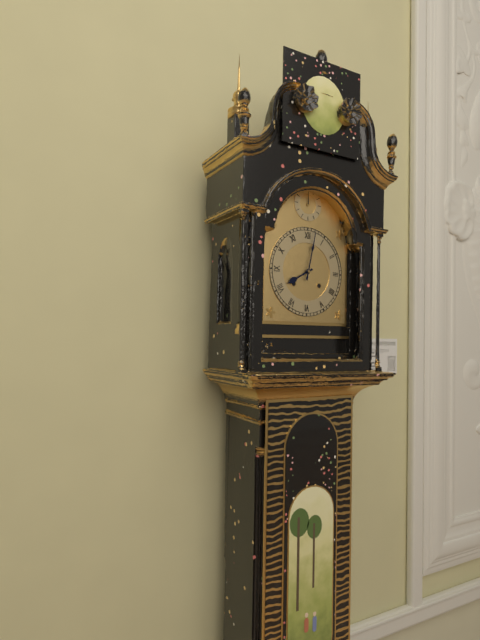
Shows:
8,02
